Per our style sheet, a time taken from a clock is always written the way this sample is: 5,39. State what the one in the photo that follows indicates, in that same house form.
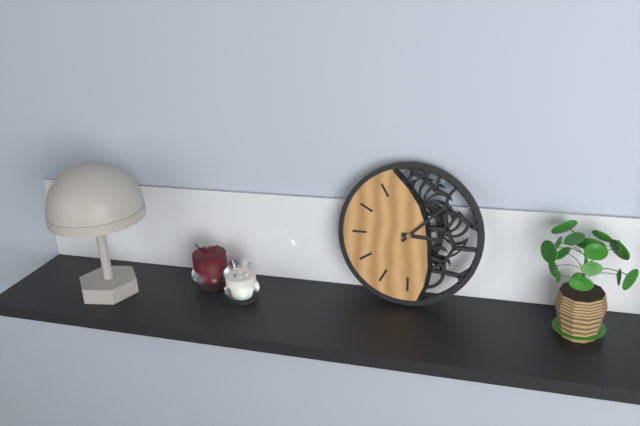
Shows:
3,08
